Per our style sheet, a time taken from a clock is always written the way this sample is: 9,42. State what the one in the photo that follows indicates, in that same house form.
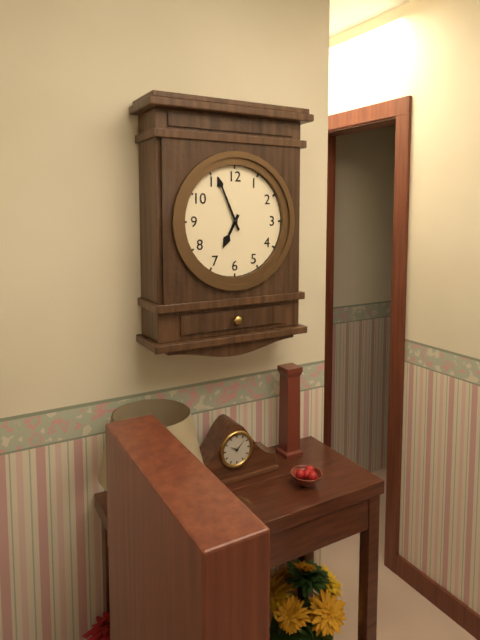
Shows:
6,56
